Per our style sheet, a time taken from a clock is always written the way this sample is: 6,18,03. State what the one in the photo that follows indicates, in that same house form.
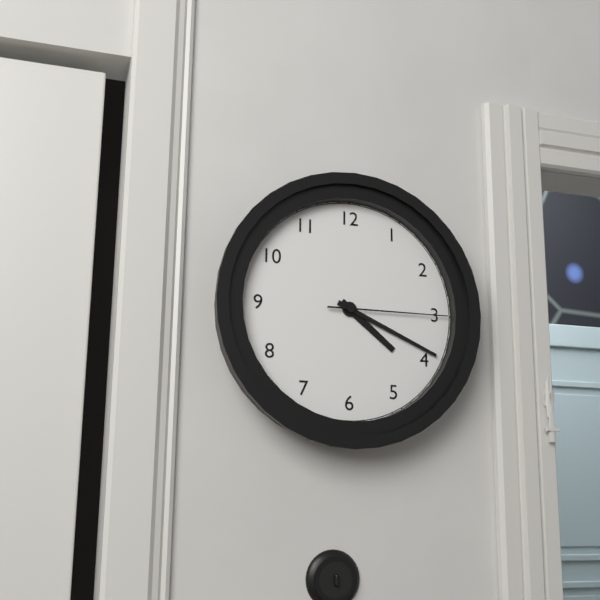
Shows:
4,19,15
